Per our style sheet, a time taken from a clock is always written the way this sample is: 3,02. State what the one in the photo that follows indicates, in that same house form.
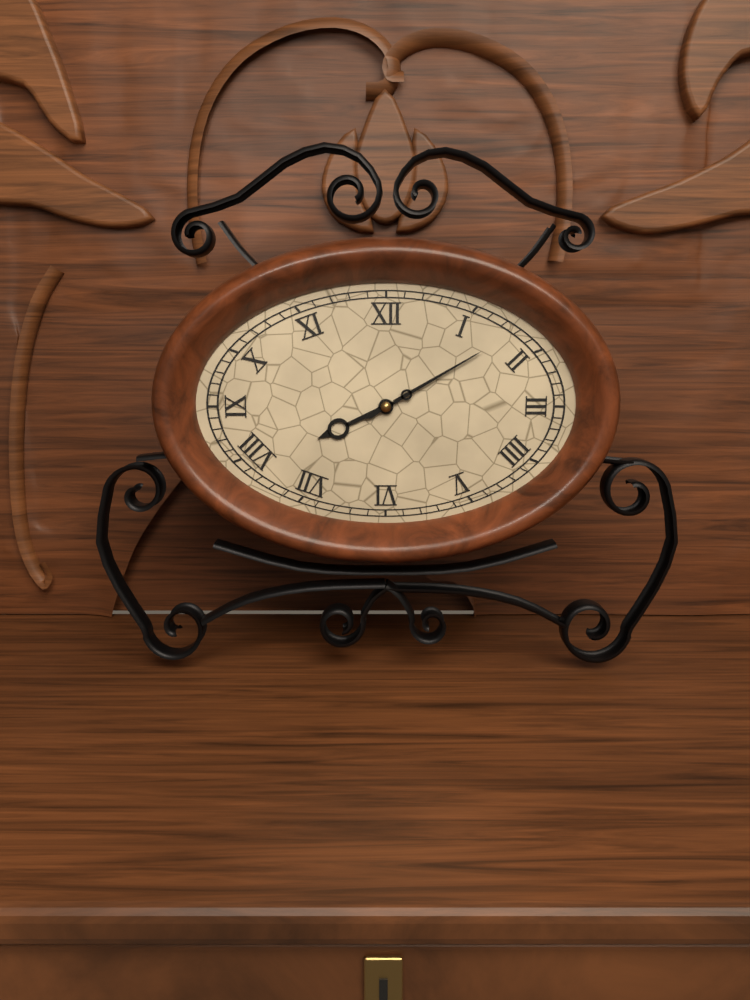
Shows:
8,10
